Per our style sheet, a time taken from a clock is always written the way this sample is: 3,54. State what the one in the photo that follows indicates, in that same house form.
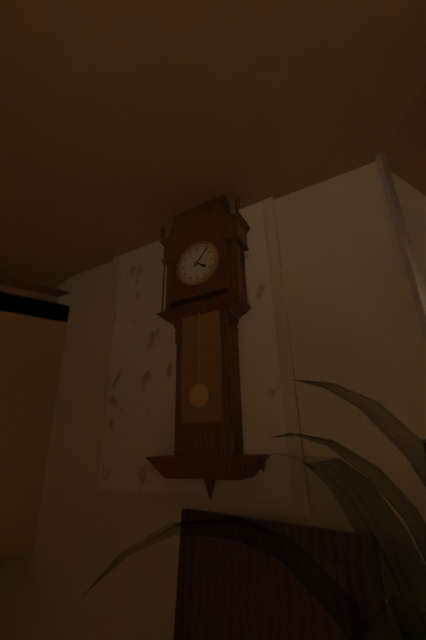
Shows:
4,07
